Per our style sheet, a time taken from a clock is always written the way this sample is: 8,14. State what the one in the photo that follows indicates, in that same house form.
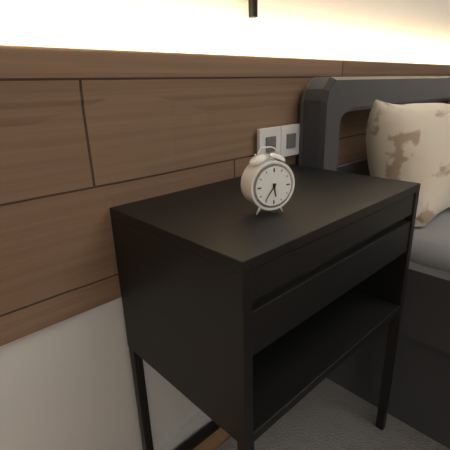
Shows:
5,36
